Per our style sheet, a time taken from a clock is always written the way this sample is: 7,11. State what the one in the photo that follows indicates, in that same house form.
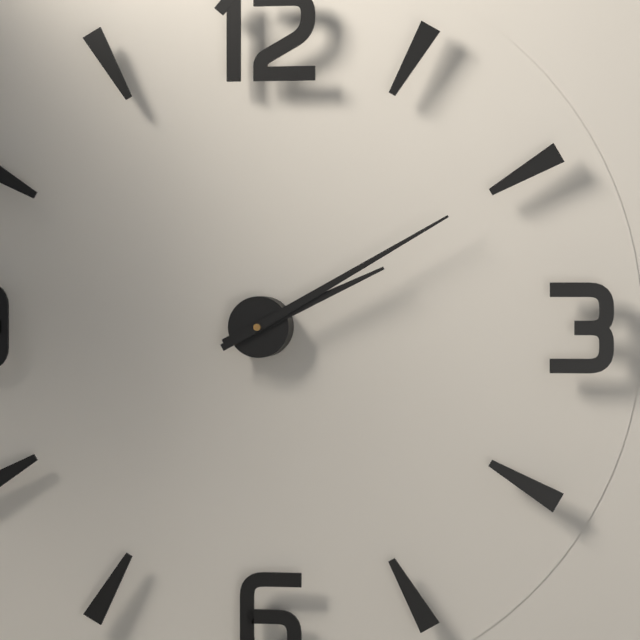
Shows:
2,10
